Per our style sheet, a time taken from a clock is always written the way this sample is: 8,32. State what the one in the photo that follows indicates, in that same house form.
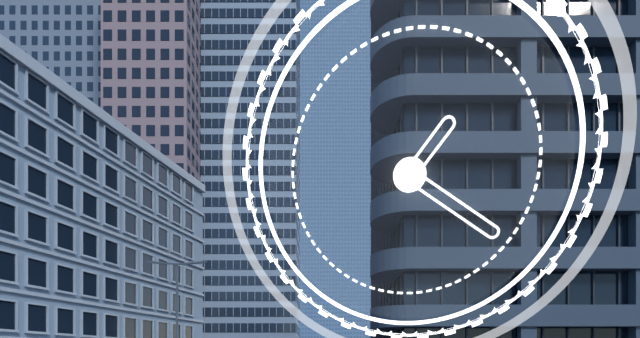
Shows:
1,21
